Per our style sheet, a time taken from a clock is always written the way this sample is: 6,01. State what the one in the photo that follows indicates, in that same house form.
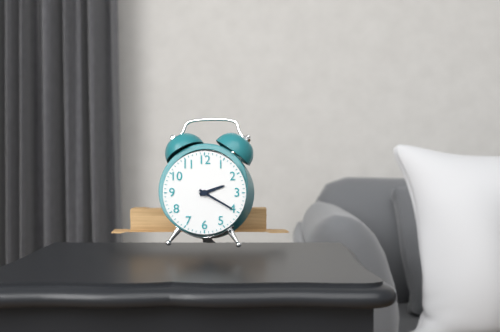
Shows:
2,20
